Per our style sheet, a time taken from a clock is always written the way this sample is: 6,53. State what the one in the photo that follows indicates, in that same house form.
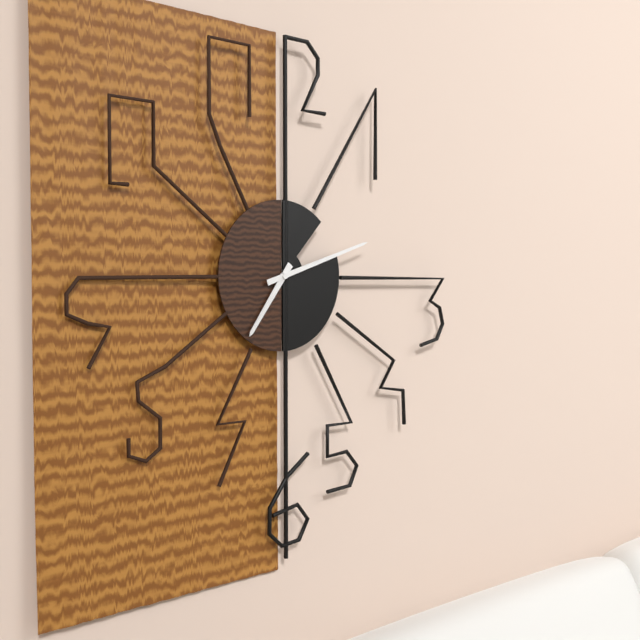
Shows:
7,12
